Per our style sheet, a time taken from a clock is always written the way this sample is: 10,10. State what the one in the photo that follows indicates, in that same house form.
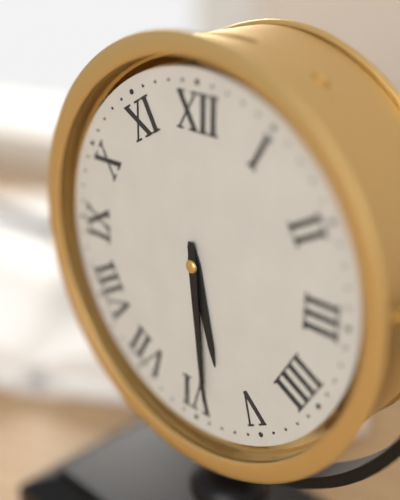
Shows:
5,29
